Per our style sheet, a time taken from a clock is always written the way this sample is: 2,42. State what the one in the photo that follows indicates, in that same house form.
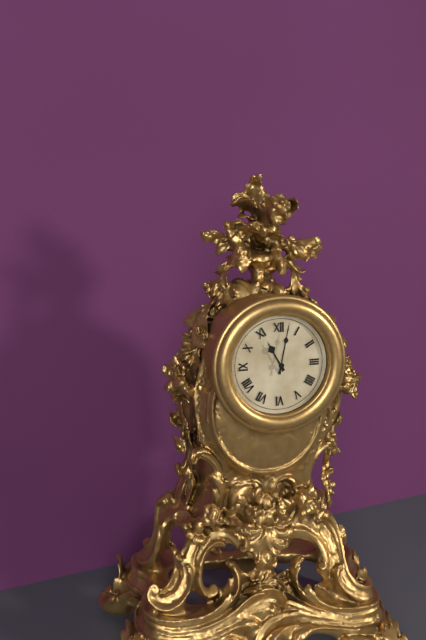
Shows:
11,02
